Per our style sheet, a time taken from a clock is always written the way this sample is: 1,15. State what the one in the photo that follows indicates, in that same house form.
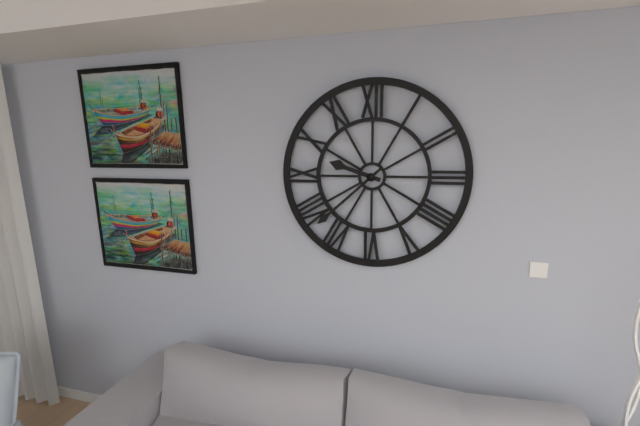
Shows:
9,38
